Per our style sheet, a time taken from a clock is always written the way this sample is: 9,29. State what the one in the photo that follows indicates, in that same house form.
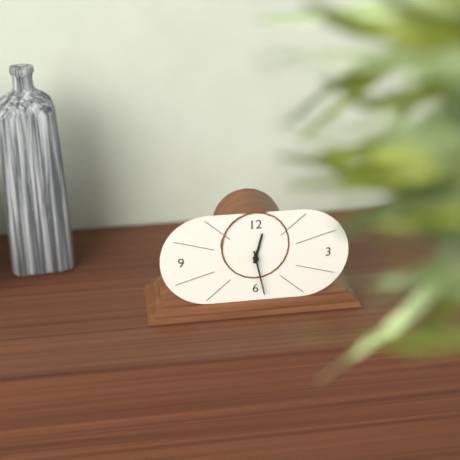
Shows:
12,28
